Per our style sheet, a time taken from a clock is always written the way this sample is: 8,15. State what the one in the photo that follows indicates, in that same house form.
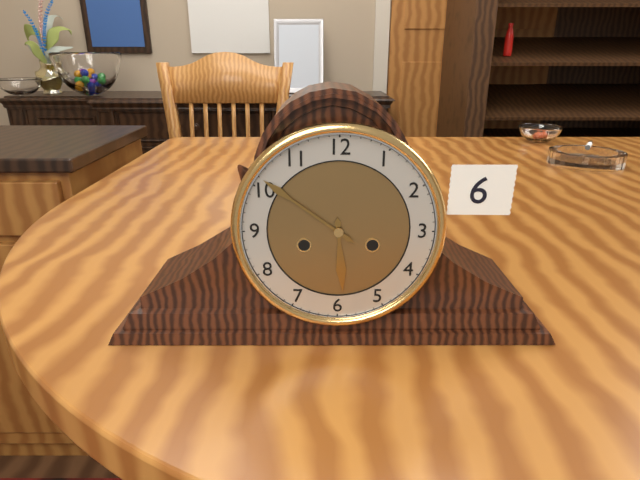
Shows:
5,51
